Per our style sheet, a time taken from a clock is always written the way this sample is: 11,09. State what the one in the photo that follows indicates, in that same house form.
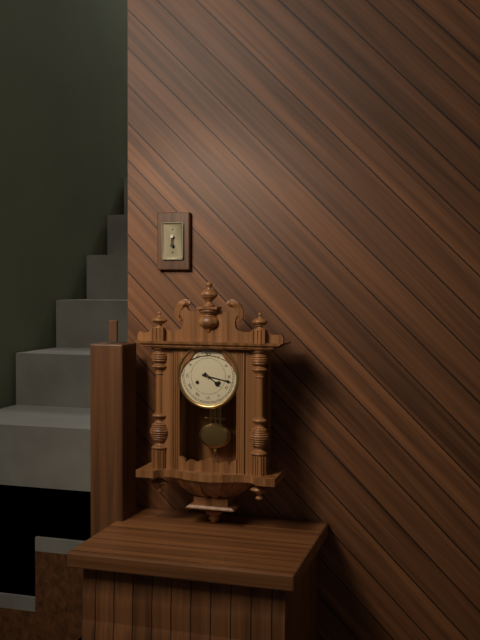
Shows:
4,17
